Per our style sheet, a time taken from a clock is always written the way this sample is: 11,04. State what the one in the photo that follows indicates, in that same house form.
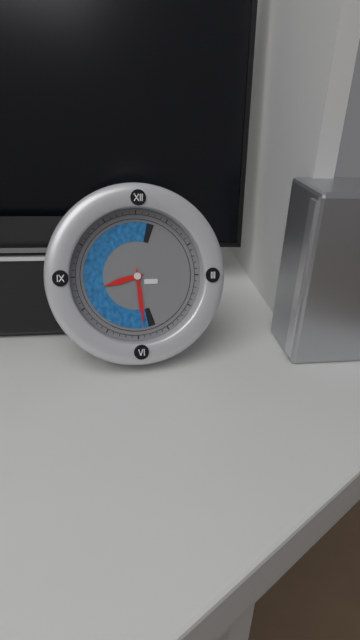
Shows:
8,29
